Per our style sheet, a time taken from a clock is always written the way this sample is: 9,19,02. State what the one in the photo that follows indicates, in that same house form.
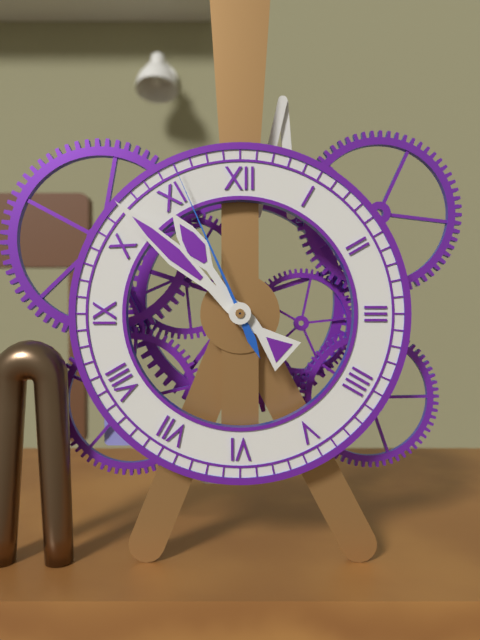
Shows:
10,52,56
